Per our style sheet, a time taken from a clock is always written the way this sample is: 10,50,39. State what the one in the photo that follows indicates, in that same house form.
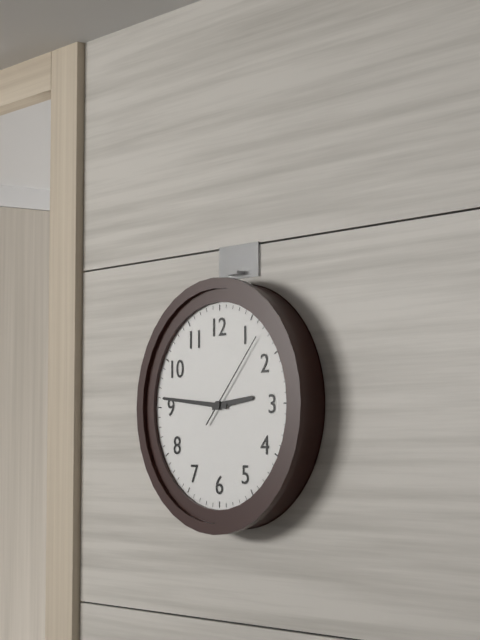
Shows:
2,46,07
